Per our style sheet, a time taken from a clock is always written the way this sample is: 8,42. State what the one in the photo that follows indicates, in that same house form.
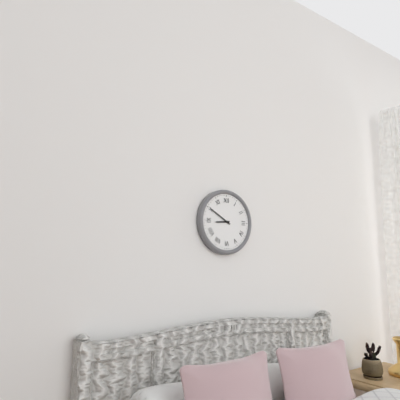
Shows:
8,50
